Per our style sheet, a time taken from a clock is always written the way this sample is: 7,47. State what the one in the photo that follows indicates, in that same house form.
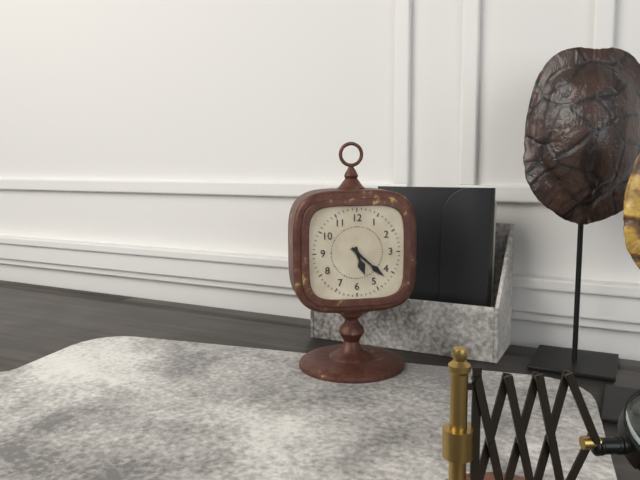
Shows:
5,22
